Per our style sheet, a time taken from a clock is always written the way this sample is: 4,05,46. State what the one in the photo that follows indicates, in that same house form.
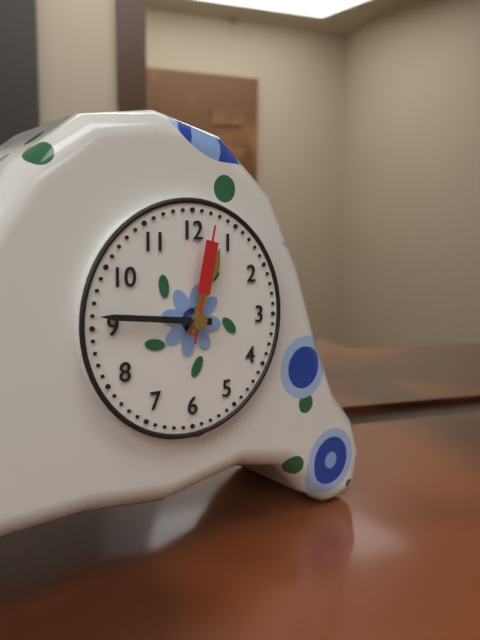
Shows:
12,46,02
